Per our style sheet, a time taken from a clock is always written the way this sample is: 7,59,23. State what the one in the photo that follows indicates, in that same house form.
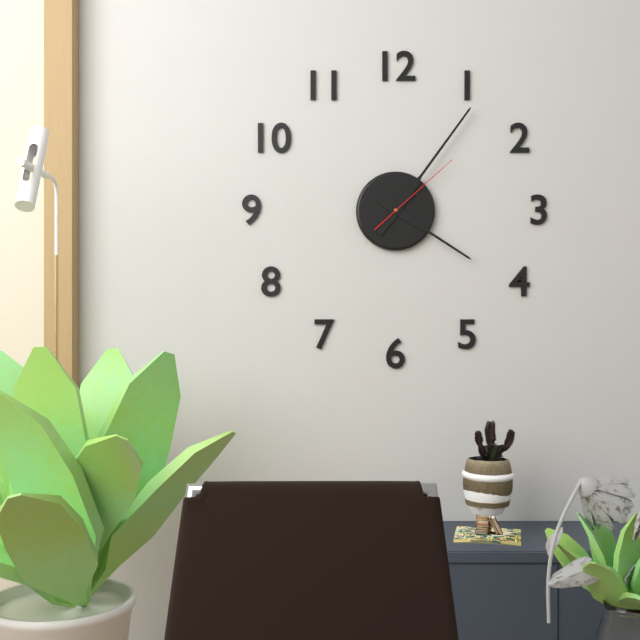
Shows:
4,06,08
